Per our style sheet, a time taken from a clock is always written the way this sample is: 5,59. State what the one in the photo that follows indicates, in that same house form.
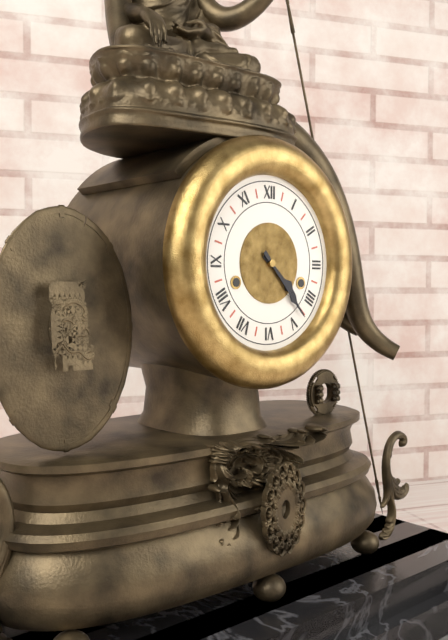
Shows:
4,23
